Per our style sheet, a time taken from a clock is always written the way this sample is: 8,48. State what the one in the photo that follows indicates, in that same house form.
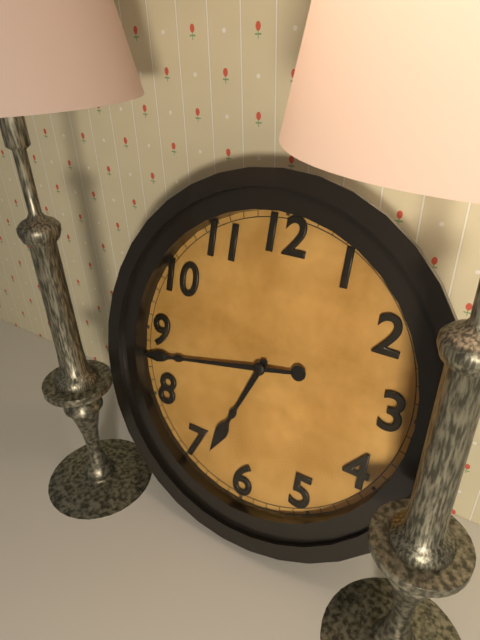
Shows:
6,43
